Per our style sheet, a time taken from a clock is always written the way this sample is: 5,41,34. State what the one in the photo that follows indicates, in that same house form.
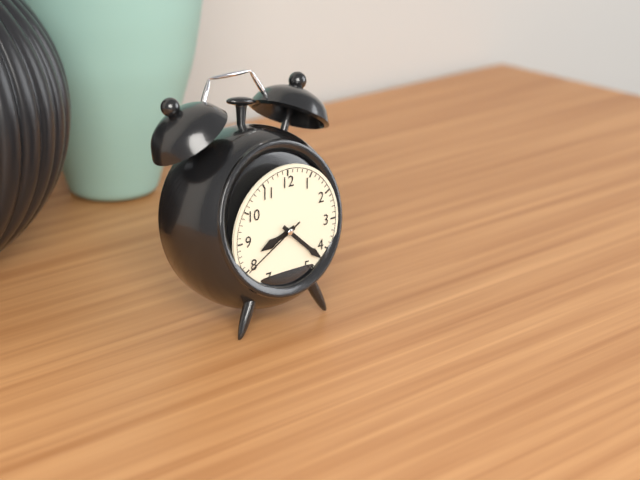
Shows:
8,22,40
